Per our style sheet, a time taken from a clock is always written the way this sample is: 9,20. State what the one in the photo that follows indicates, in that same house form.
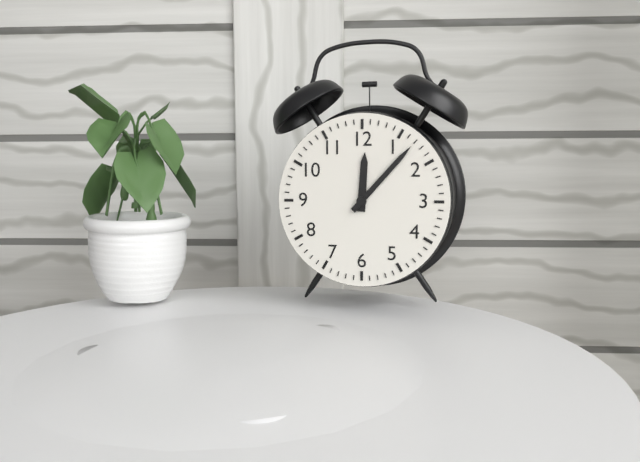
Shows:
12,07
